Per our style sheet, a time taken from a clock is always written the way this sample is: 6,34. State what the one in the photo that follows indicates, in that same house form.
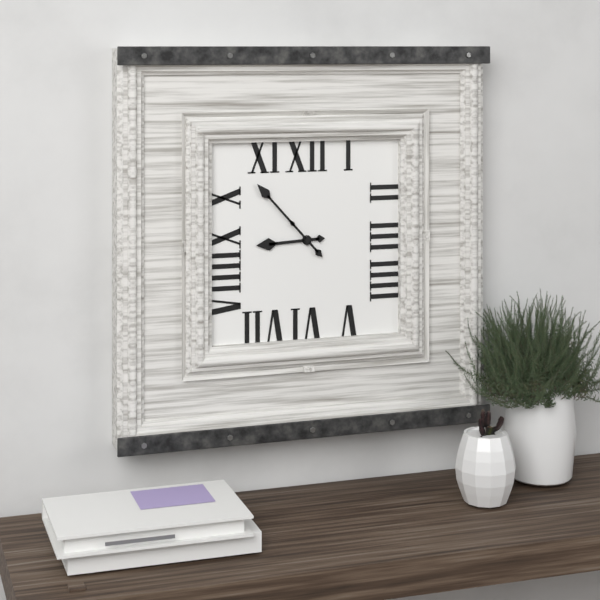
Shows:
8,53
